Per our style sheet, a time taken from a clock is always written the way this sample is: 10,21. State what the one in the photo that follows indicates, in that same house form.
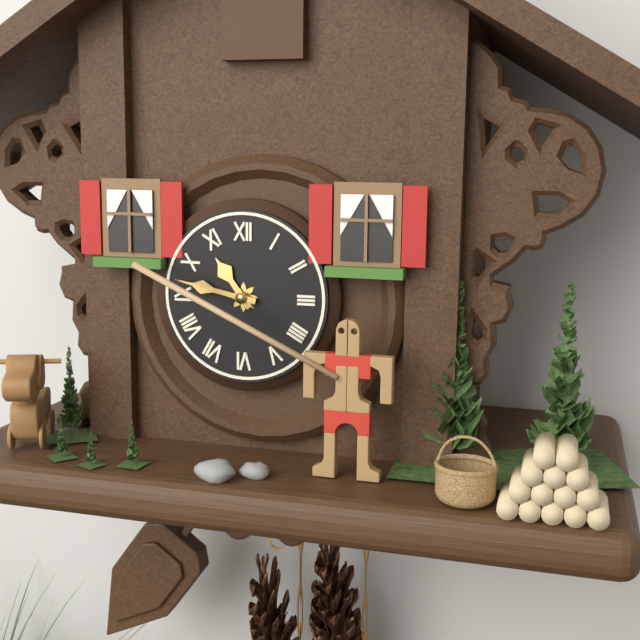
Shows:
10,47
